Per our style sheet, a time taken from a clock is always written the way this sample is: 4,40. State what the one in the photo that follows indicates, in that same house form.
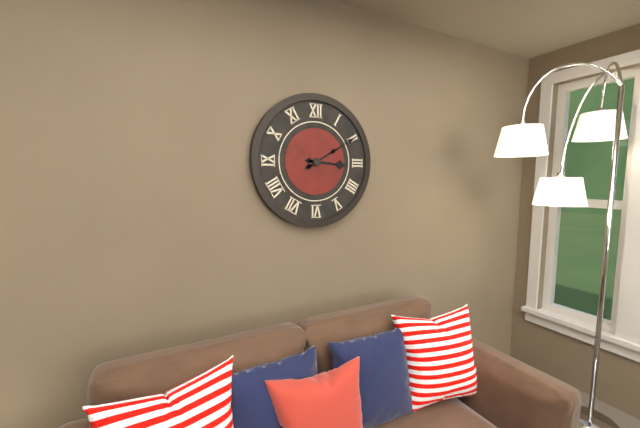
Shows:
3,10
